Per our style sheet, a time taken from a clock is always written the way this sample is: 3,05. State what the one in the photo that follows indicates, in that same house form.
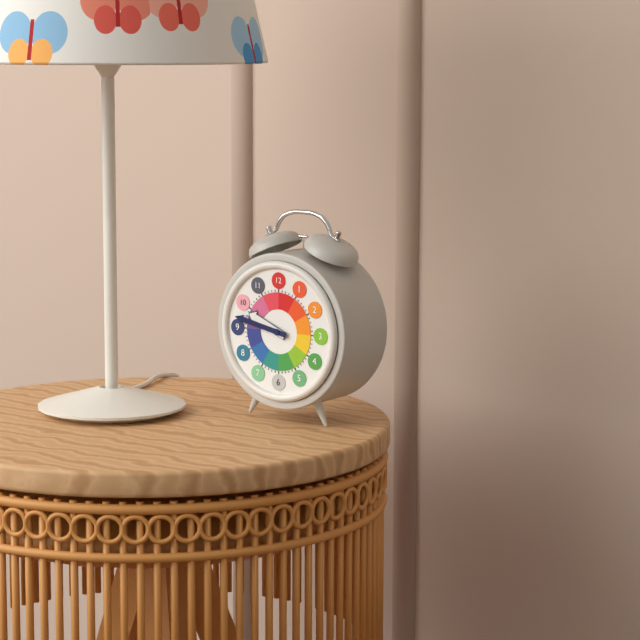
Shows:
9,47
